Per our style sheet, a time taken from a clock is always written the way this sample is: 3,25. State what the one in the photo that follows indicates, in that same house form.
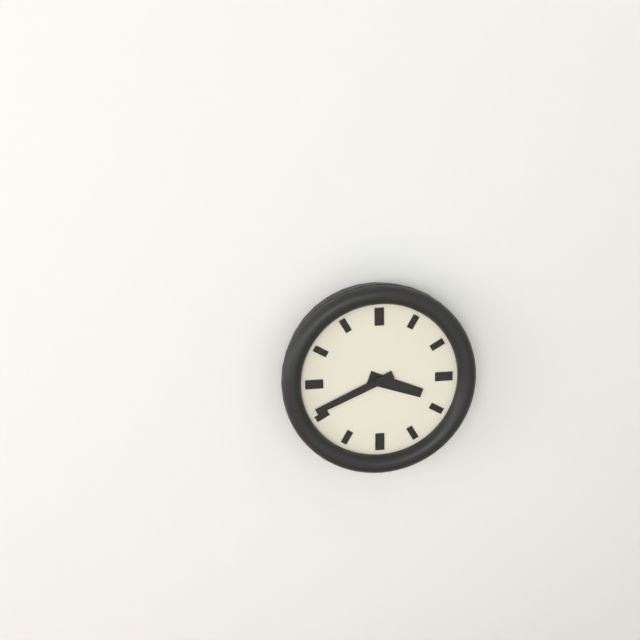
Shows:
3,41
